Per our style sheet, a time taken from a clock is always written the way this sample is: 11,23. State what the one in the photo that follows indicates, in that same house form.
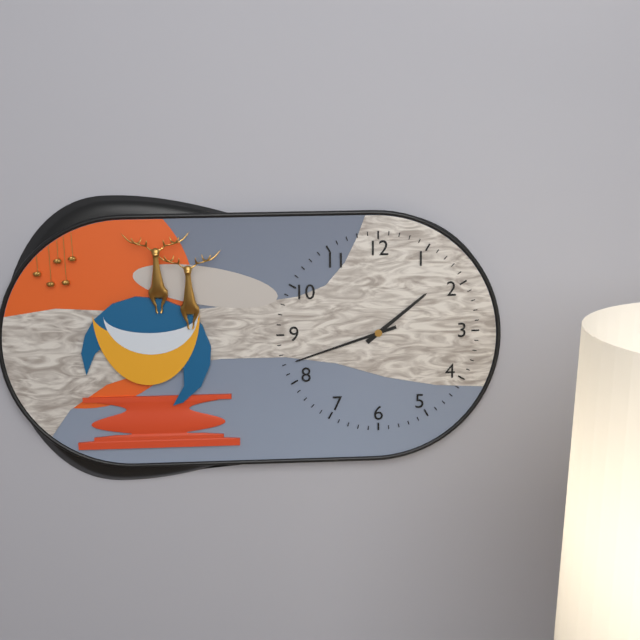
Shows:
1,42
